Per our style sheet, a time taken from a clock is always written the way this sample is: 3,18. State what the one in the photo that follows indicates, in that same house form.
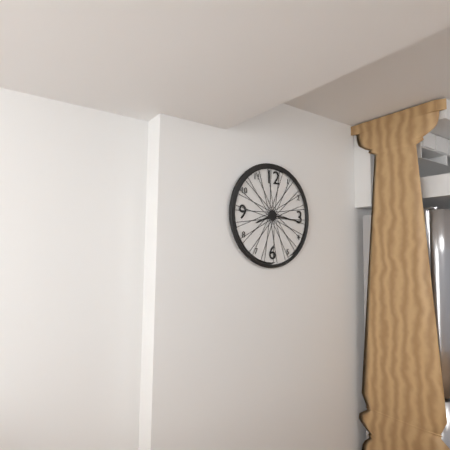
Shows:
8,16
